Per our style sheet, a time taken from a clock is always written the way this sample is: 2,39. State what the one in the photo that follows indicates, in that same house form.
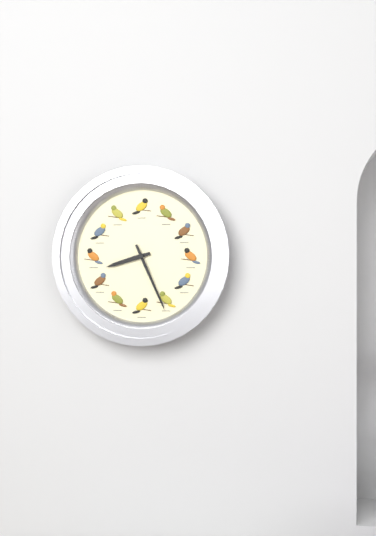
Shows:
8,26
